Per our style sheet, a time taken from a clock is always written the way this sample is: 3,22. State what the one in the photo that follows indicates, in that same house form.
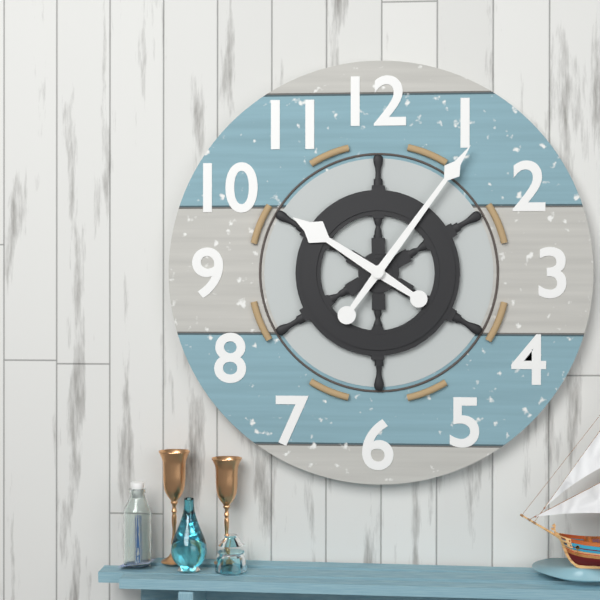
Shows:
10,06
